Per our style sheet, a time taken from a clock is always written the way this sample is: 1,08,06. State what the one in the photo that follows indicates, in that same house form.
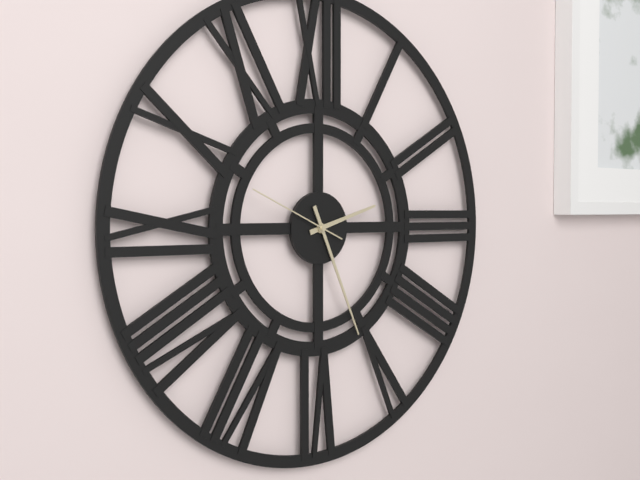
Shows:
2,26,49
